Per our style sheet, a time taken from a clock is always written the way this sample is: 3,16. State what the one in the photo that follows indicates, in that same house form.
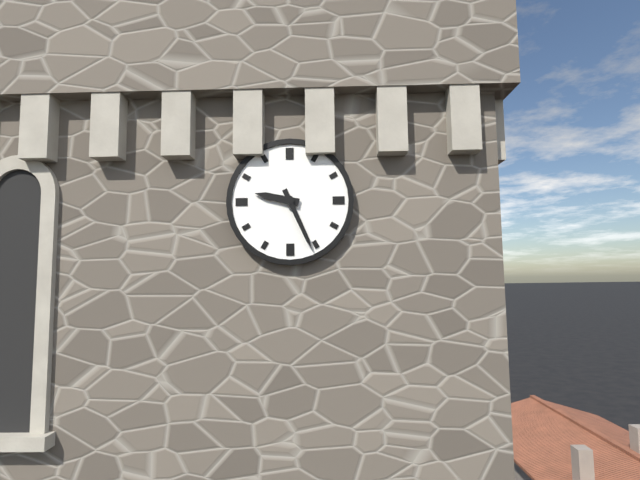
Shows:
9,26
